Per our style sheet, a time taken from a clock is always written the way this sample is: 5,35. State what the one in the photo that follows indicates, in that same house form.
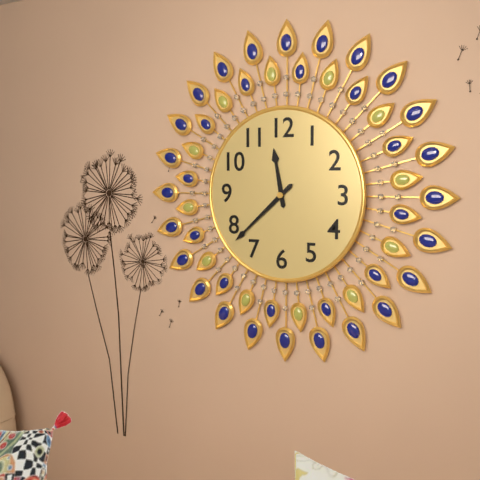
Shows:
11,38
